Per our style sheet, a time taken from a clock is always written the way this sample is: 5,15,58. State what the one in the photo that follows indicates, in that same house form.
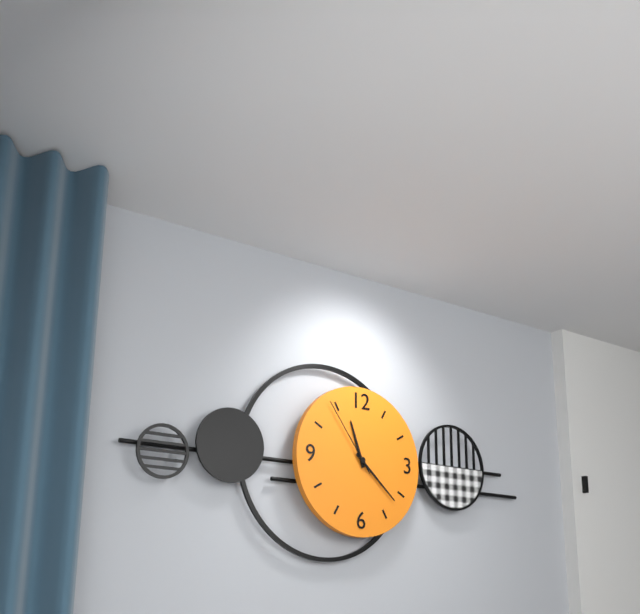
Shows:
11,22,54
